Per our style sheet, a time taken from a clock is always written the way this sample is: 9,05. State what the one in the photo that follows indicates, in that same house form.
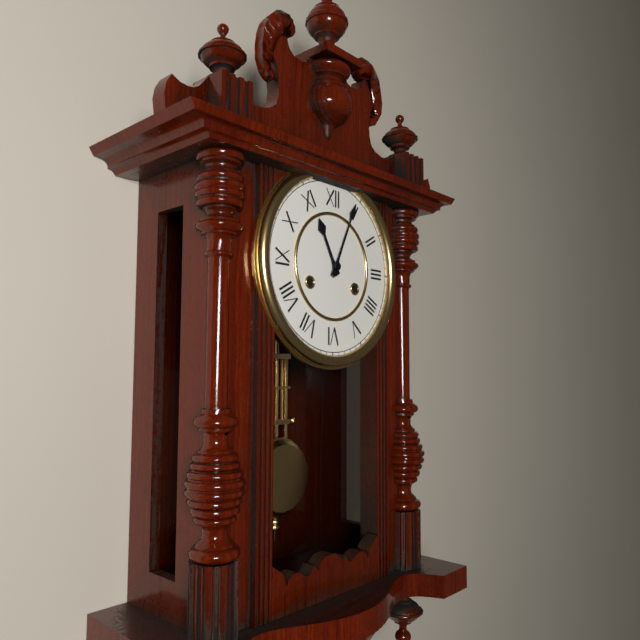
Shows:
11,04
